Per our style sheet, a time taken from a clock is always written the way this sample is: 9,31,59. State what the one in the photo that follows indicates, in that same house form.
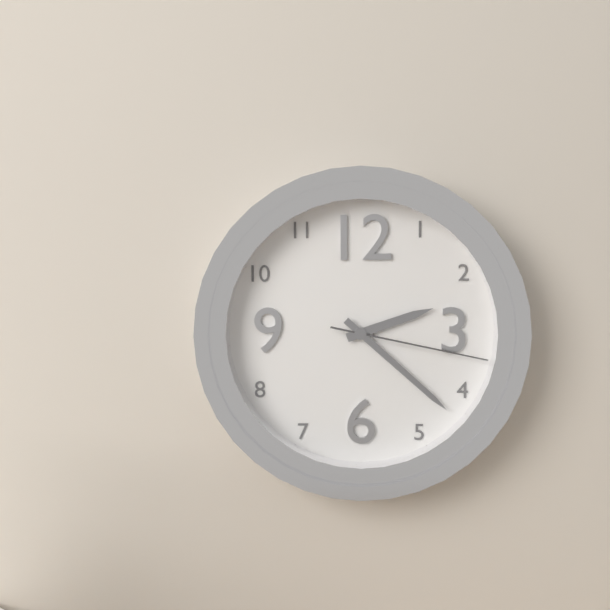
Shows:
2,22,17
